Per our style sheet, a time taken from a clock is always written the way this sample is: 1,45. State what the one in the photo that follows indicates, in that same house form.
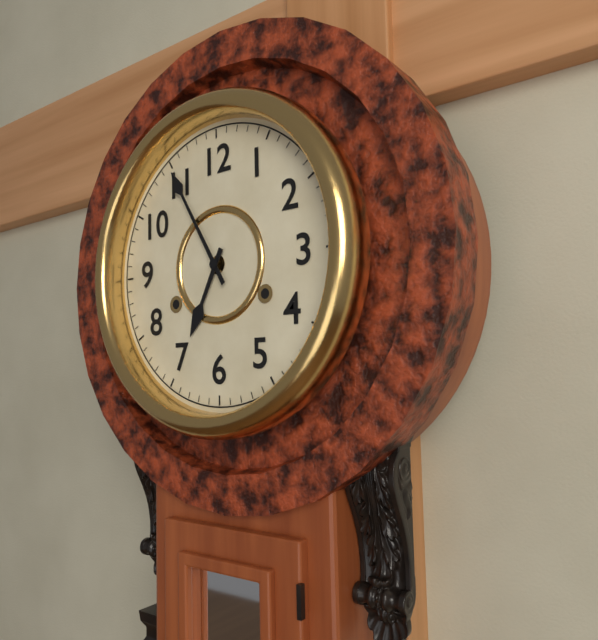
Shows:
6,55
